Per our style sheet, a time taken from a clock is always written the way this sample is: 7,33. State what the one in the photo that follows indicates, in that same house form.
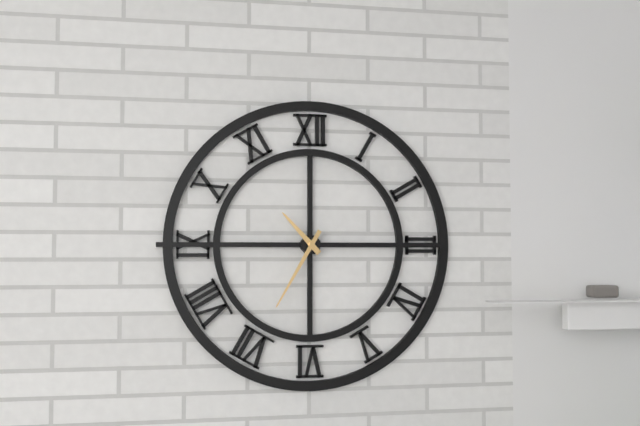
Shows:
10,35
